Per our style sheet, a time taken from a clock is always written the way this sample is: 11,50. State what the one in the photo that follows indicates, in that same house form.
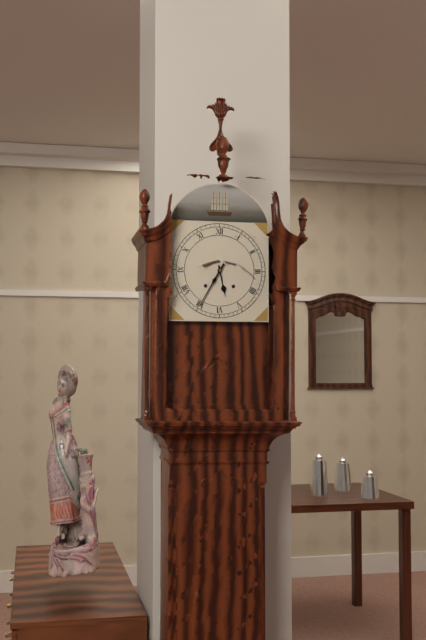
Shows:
5,35
